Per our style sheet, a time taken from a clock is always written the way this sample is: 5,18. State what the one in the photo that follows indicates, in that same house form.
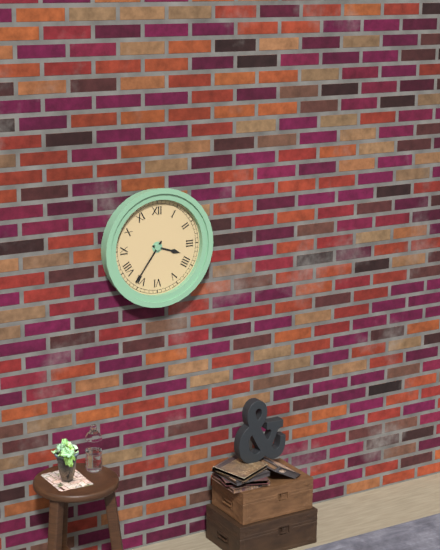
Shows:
3,36
